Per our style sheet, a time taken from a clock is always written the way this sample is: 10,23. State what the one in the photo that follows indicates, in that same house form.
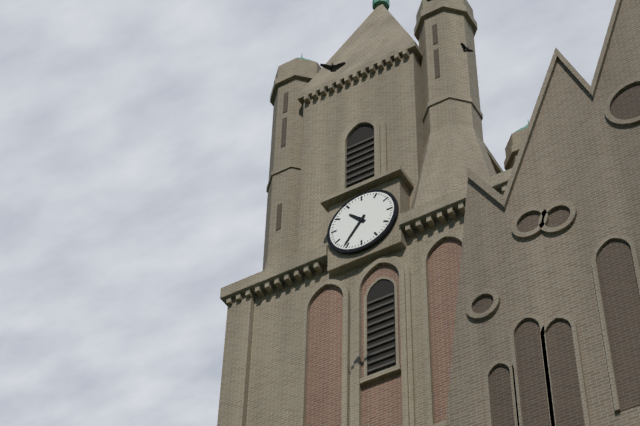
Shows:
10,36
